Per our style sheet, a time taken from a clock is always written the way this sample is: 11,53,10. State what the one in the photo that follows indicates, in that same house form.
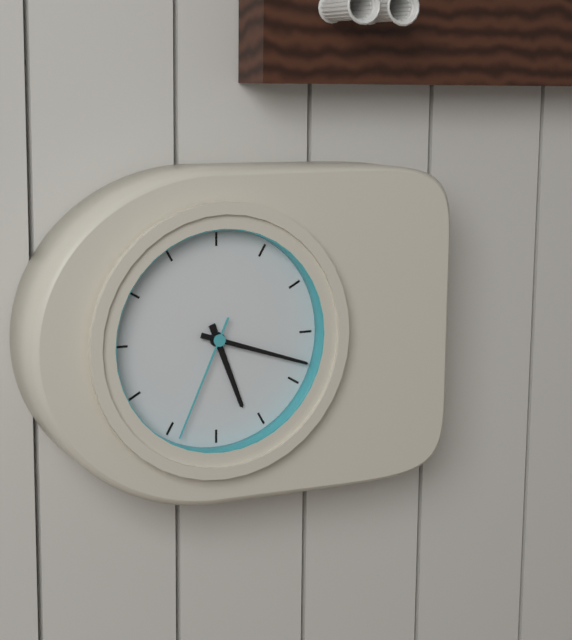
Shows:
5,18,34
